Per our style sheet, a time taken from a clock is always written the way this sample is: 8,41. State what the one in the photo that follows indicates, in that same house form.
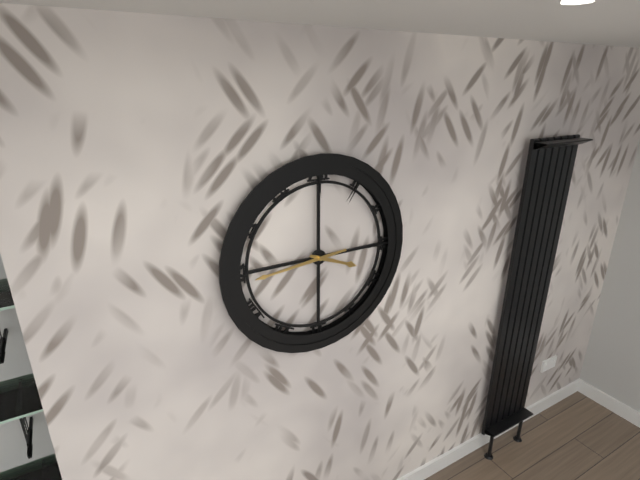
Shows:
3,44
